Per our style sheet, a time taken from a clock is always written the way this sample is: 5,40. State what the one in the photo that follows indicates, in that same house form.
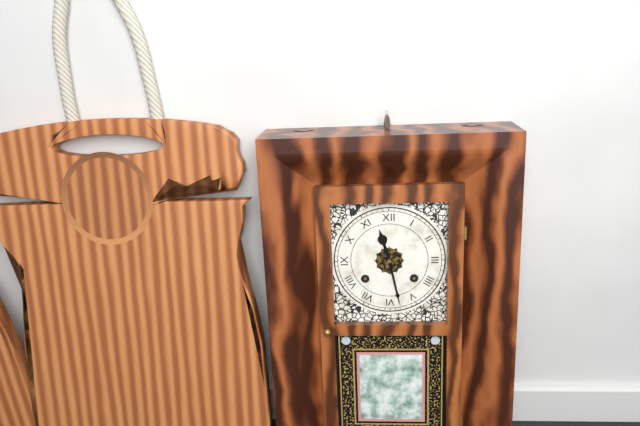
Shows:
11,28
